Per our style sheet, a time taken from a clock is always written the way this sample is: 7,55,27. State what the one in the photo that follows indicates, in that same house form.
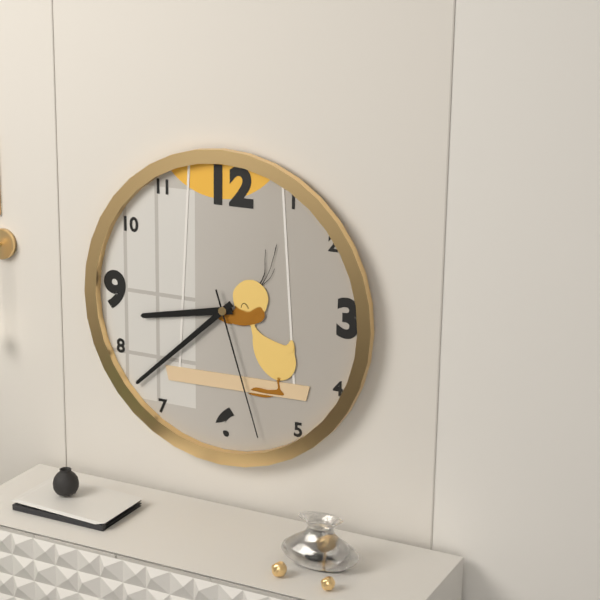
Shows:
8,38,27
